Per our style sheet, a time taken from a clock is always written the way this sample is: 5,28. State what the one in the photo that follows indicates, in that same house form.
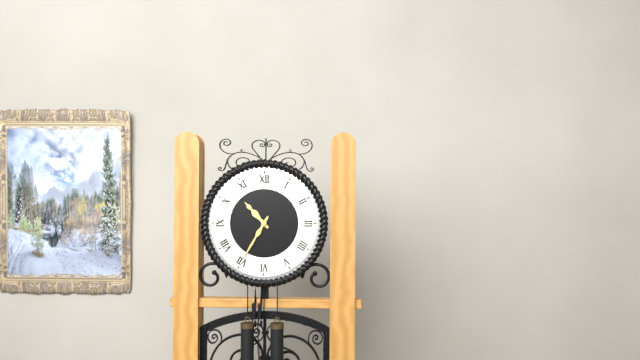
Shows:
10,35
